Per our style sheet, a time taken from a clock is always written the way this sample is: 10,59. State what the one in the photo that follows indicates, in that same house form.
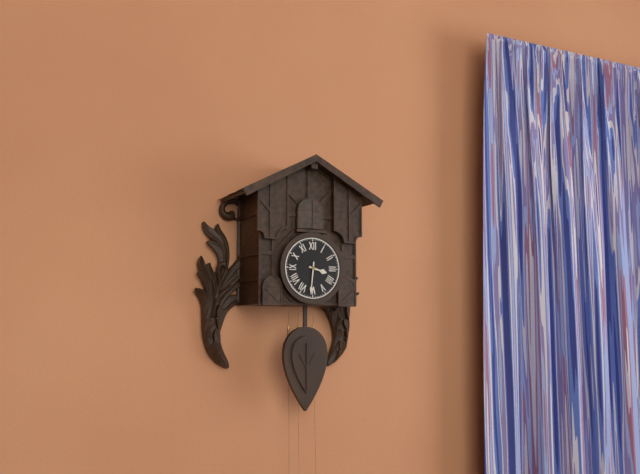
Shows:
3,31
